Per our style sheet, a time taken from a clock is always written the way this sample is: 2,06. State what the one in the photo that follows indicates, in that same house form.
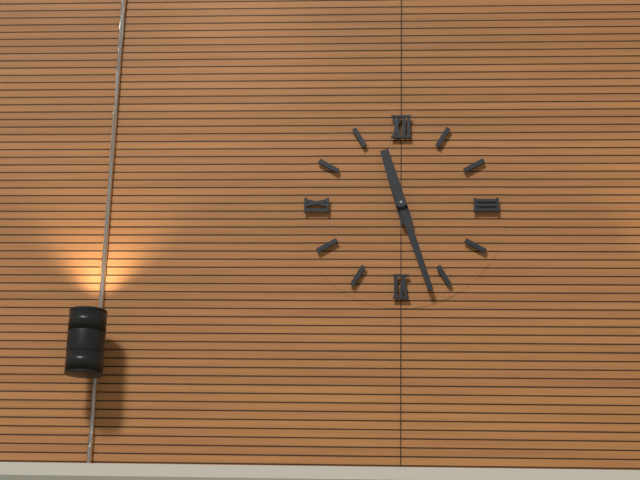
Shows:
11,27
